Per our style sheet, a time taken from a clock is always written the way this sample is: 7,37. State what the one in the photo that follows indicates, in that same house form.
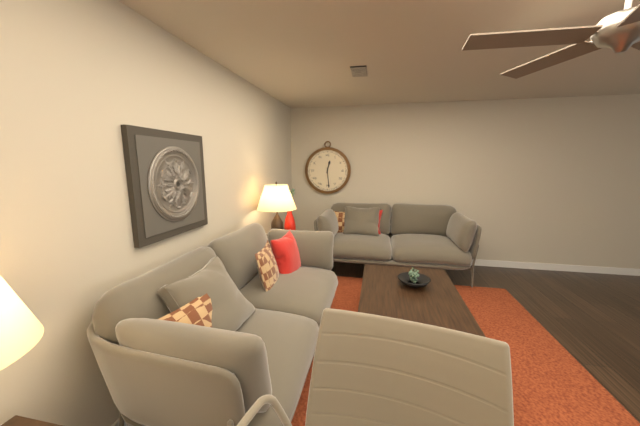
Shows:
12,29
